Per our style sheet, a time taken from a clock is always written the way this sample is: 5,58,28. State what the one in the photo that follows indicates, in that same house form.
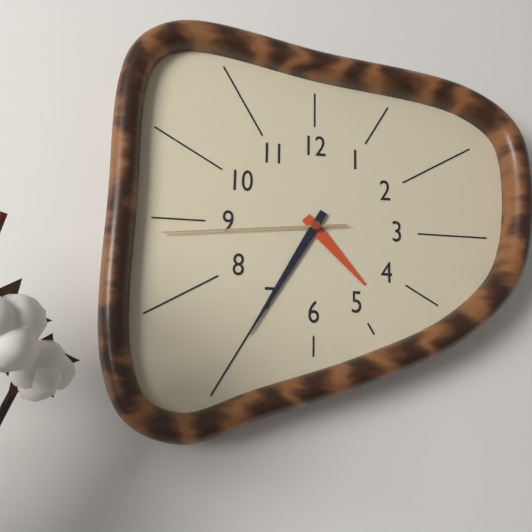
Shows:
4,35,44
